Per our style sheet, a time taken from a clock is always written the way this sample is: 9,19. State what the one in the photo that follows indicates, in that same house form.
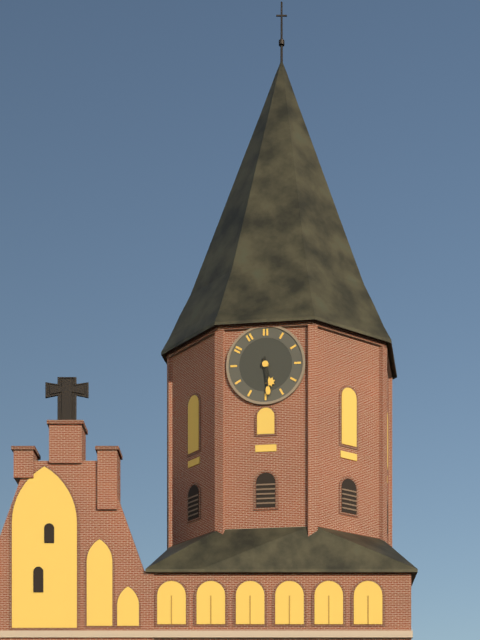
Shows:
5,29
